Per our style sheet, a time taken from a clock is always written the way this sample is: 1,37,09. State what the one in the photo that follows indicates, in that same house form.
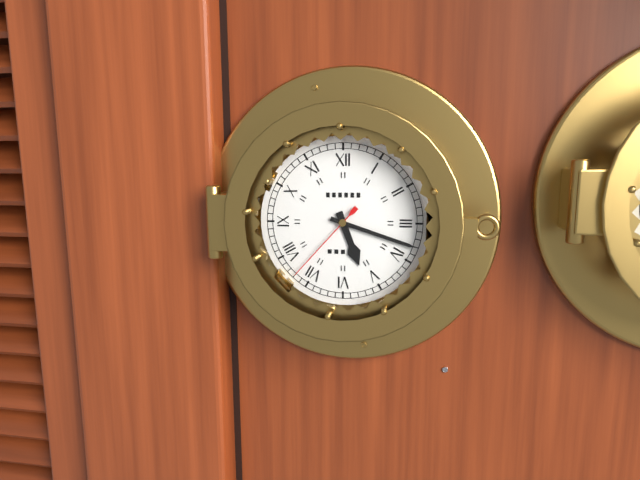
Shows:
5,18,37
